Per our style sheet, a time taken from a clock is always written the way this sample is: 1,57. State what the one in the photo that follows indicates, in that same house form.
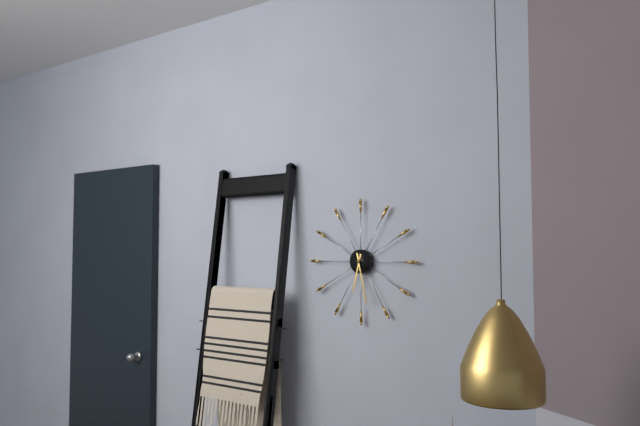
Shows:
6,28
